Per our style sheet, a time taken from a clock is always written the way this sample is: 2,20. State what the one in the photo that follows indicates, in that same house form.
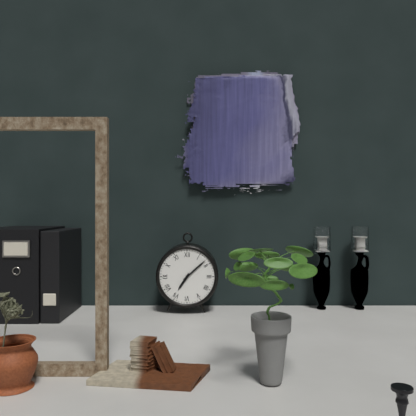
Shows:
7,08
